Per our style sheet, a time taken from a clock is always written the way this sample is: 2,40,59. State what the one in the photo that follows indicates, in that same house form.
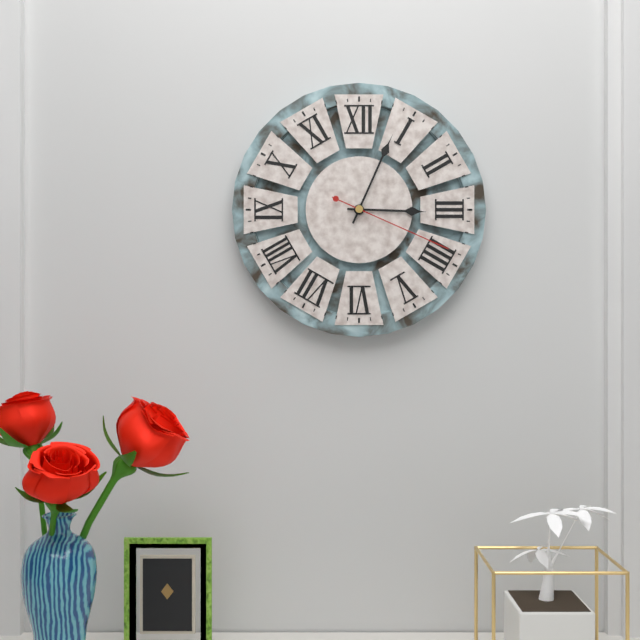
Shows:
3,04,19
